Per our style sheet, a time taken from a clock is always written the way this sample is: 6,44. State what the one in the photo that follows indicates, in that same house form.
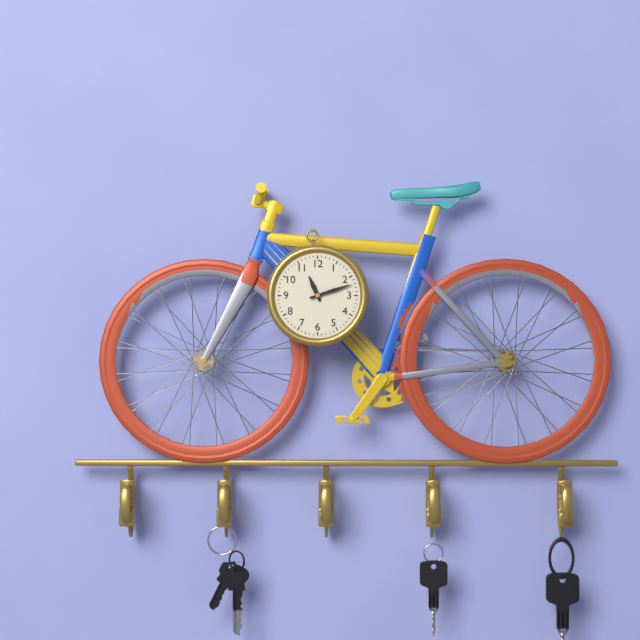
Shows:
11,12
